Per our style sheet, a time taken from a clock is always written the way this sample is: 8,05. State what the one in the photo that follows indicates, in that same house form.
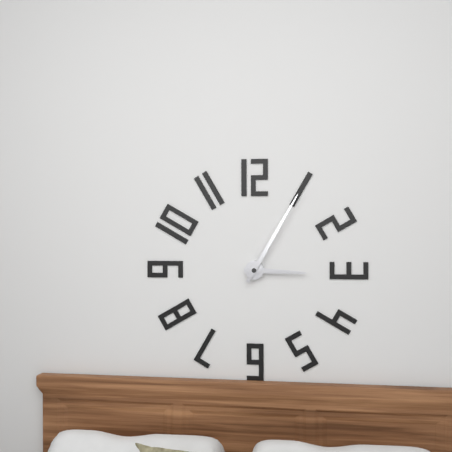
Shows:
3,05
